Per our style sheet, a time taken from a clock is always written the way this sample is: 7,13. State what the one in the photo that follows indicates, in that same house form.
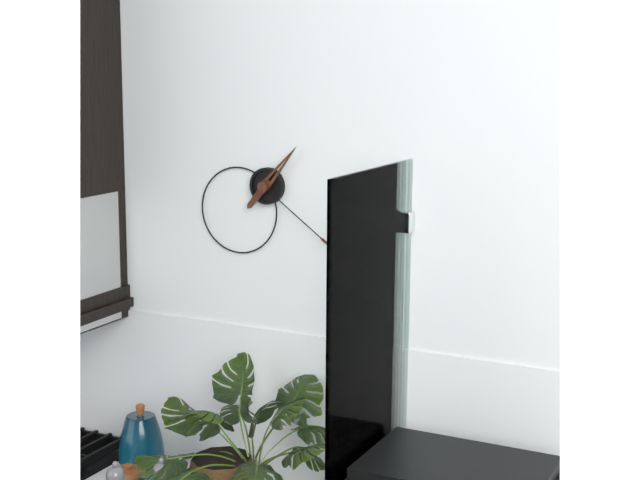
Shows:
1,21
